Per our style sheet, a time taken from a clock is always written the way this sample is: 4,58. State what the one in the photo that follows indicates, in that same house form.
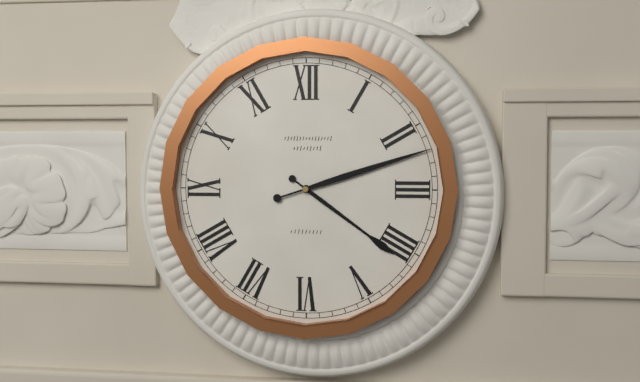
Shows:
4,12
